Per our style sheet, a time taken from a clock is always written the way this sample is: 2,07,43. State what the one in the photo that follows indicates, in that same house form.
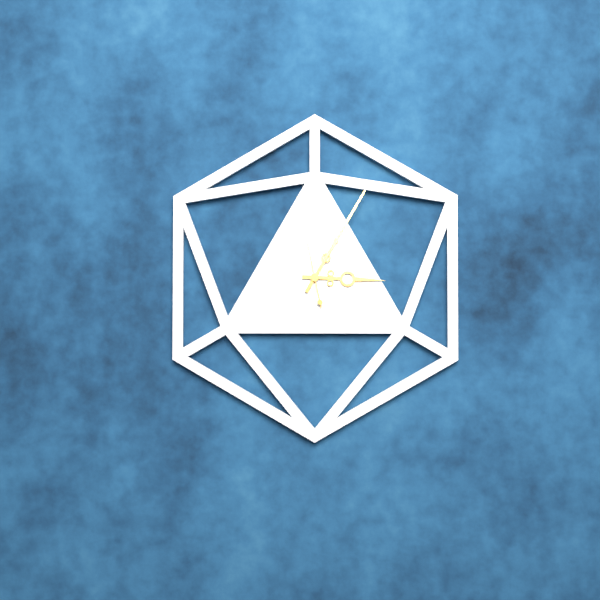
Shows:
3,05,58
